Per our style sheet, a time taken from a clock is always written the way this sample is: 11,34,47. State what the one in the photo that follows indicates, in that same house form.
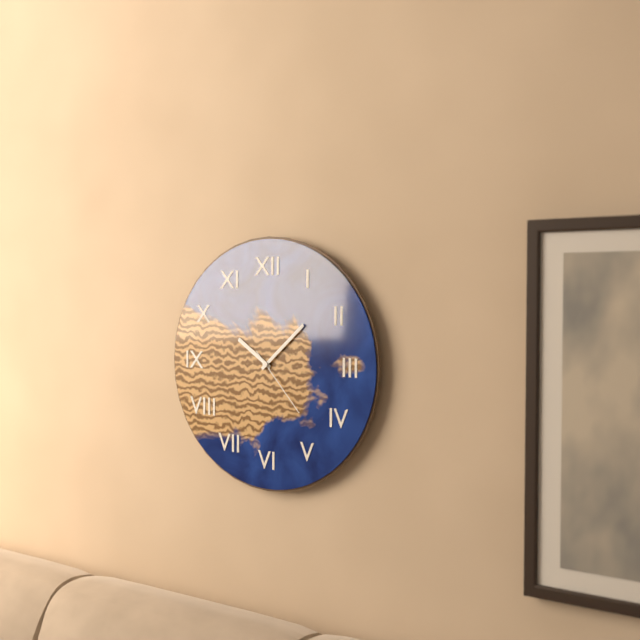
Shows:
10,08,23
